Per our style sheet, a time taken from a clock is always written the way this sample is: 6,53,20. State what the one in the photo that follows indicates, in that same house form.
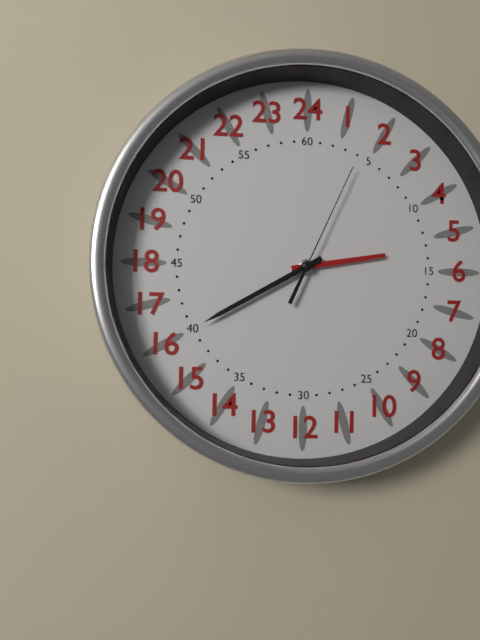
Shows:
2,40,04
